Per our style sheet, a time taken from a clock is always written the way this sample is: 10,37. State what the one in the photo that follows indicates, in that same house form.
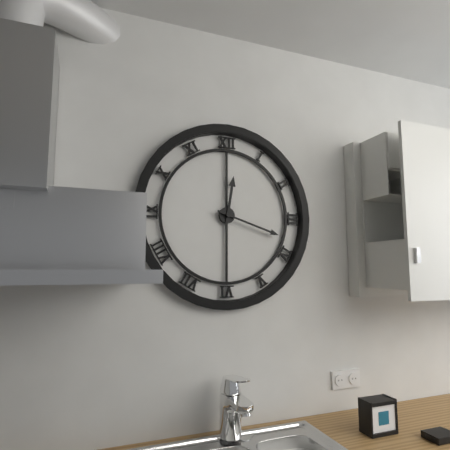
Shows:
12,18
